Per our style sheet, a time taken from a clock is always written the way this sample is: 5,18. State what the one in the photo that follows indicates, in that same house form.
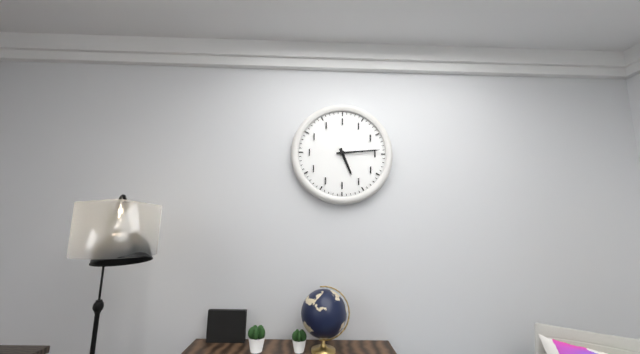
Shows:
5,14
